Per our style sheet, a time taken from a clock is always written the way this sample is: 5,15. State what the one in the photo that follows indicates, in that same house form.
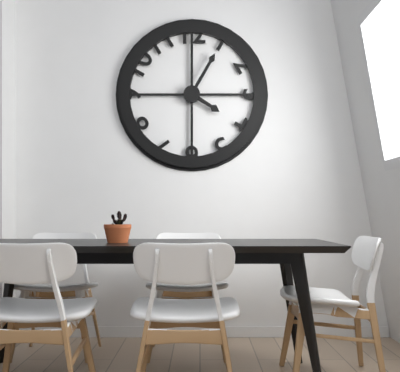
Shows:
4,05
